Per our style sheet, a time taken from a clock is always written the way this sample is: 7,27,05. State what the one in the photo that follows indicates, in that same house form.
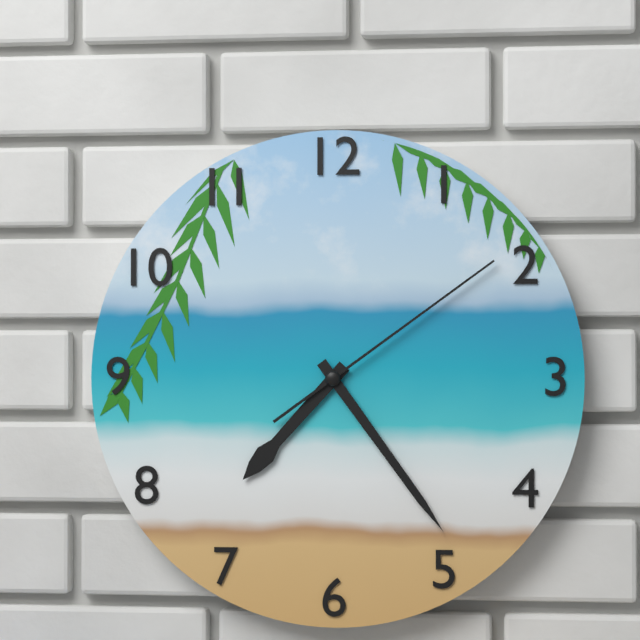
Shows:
7,24,09
